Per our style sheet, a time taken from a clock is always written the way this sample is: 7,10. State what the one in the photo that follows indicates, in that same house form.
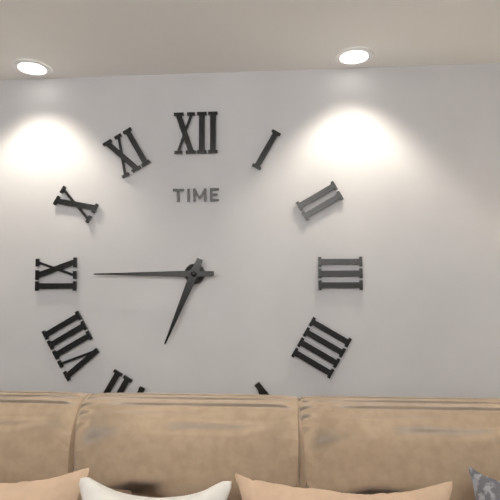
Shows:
6,45
